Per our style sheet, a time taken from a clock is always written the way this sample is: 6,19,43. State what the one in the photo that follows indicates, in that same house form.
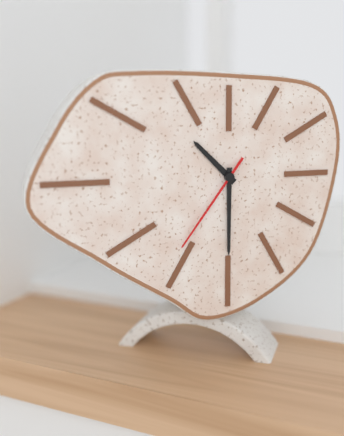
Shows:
10,30,36
